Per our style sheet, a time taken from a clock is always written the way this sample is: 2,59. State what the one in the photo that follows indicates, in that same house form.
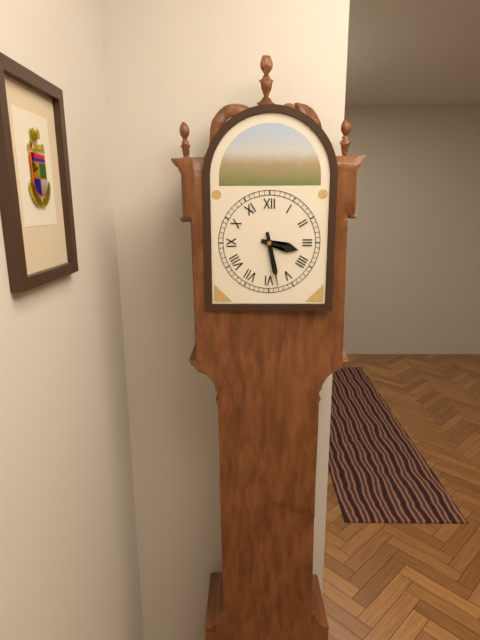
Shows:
3,28
